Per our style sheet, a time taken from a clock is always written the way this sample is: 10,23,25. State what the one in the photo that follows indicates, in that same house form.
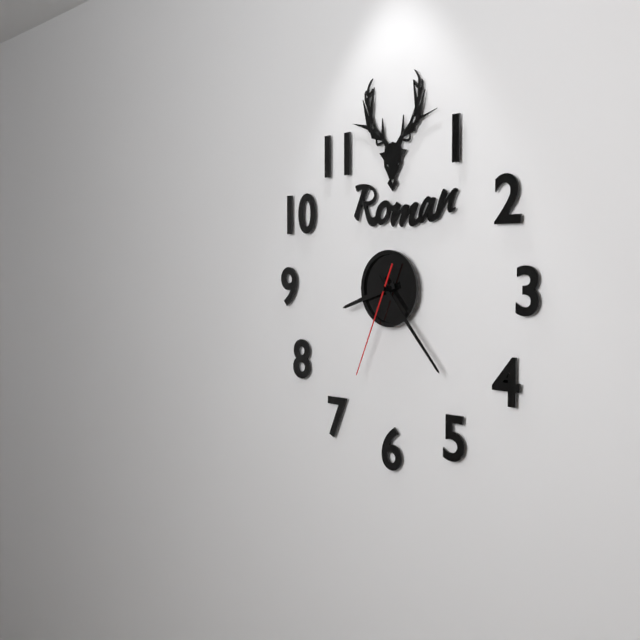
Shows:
8,23,34
